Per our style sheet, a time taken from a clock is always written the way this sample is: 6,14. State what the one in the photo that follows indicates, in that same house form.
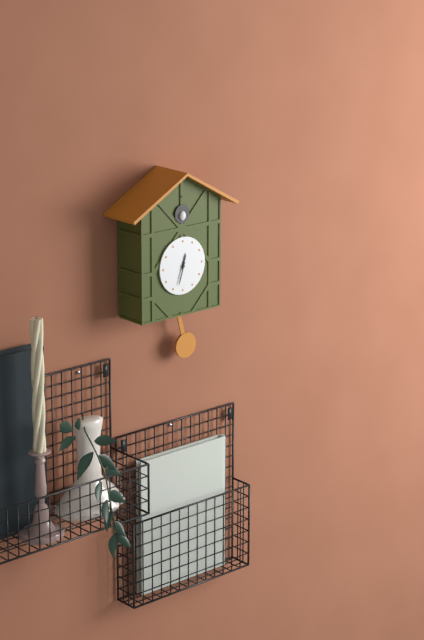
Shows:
12,33
